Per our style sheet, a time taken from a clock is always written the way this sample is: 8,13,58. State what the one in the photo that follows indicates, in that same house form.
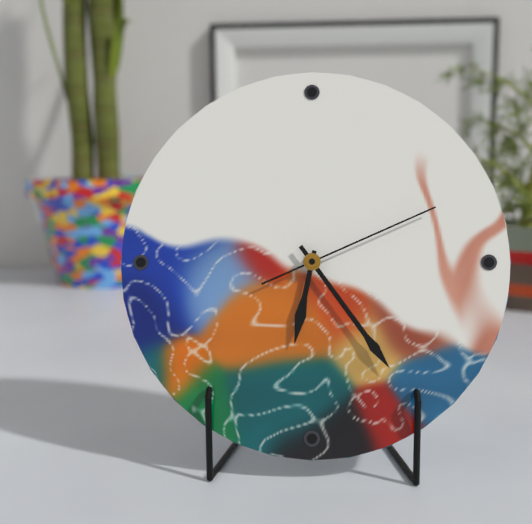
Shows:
6,24,11
